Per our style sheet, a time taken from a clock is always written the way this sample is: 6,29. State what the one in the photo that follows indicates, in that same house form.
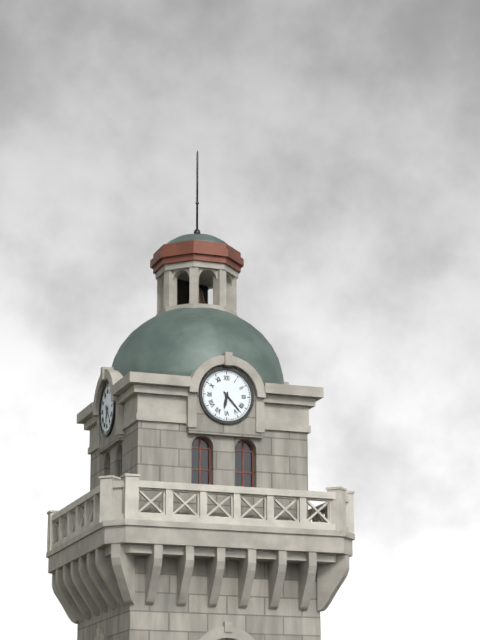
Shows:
6,23
